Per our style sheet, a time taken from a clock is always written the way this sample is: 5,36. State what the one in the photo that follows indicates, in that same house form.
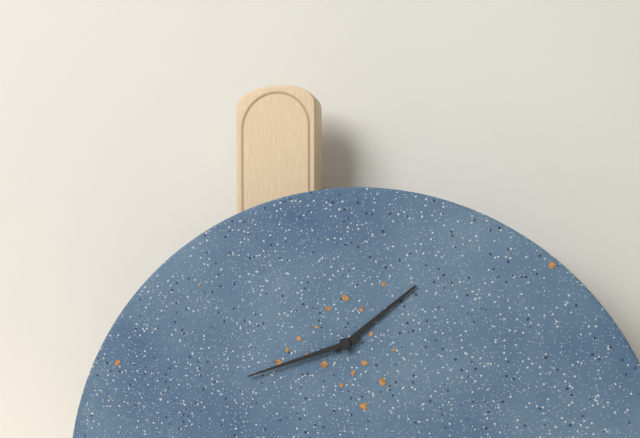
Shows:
1,42
